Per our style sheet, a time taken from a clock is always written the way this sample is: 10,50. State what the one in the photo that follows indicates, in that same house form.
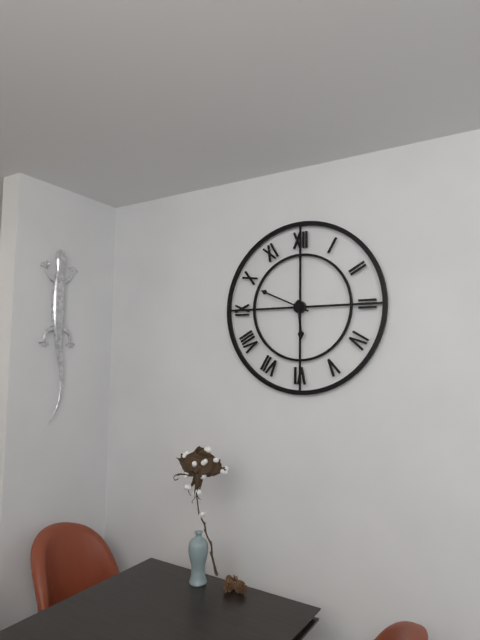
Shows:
5,49
